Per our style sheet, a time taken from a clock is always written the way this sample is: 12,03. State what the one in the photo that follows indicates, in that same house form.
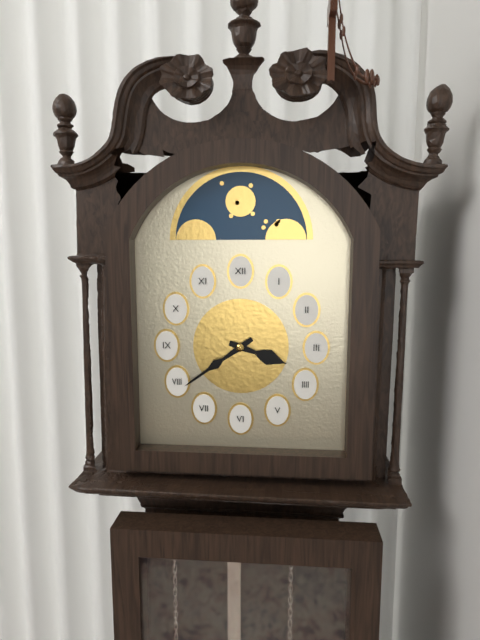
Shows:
3,39
